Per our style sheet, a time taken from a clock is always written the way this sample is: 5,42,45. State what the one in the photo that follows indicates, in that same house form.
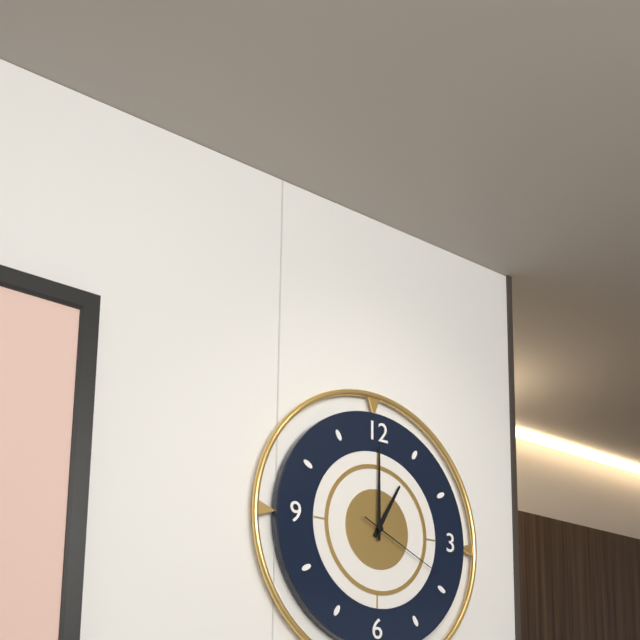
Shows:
1,00,19
